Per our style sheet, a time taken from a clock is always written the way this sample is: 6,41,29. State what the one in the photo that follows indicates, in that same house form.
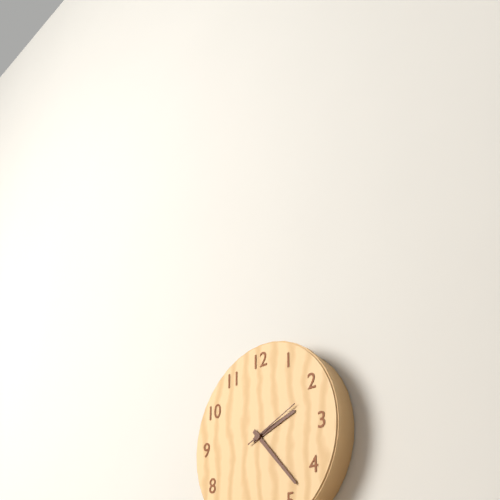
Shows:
2,23,11
